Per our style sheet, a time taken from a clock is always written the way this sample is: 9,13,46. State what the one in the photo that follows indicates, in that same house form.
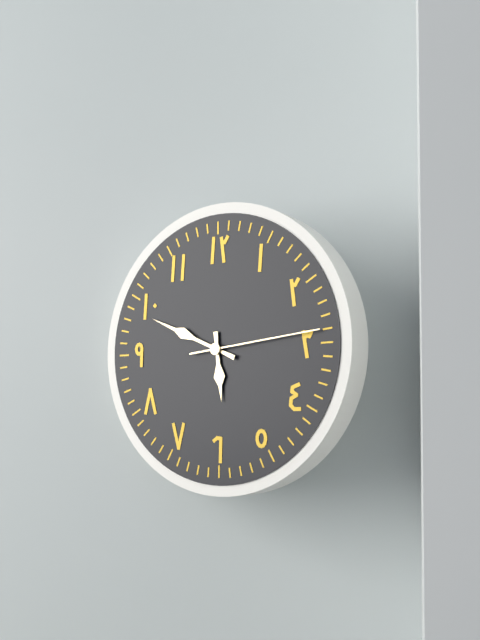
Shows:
5,49,14
